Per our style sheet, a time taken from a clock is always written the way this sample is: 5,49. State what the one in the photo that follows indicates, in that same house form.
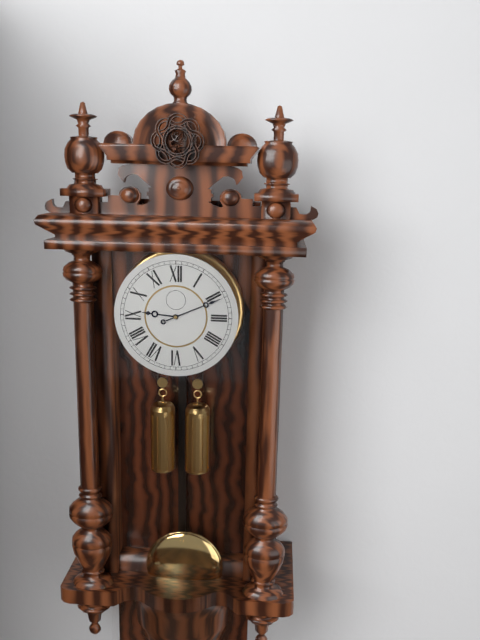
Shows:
9,11
